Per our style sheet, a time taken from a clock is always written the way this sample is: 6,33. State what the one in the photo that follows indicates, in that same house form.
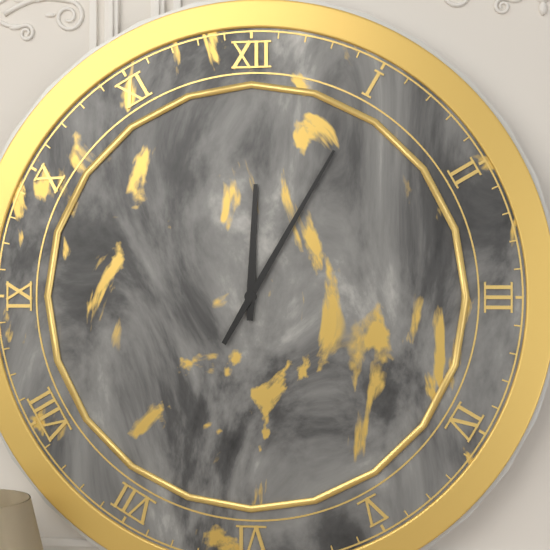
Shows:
12,05
